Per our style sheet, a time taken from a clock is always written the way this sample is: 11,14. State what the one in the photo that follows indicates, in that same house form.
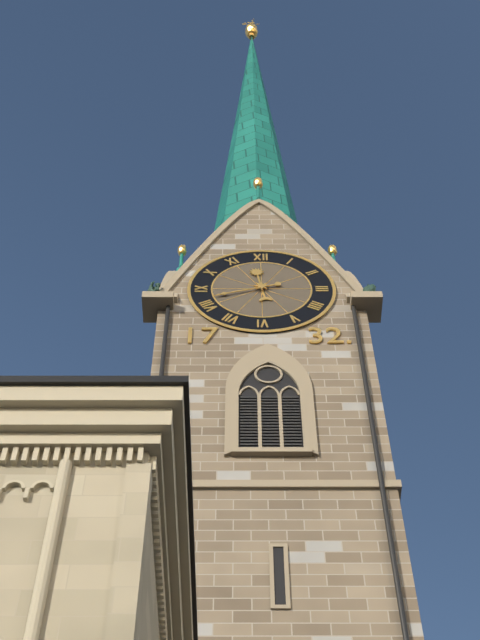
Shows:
11,42
